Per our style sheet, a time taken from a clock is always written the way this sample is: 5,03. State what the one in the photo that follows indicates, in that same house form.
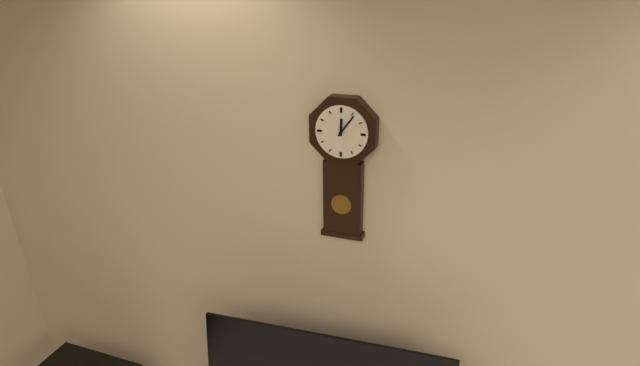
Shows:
12,06
